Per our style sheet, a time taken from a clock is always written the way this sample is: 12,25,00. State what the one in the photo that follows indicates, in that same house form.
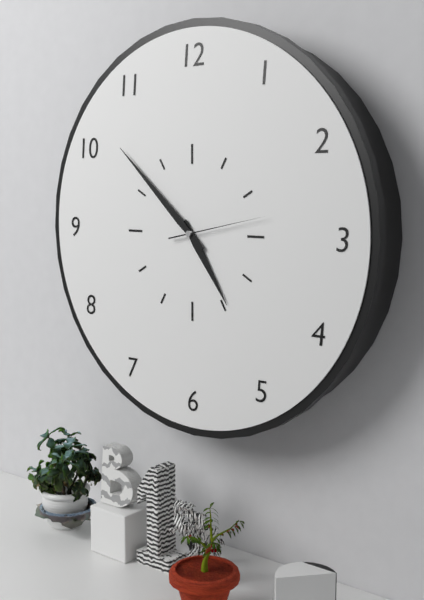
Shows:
4,52,13
